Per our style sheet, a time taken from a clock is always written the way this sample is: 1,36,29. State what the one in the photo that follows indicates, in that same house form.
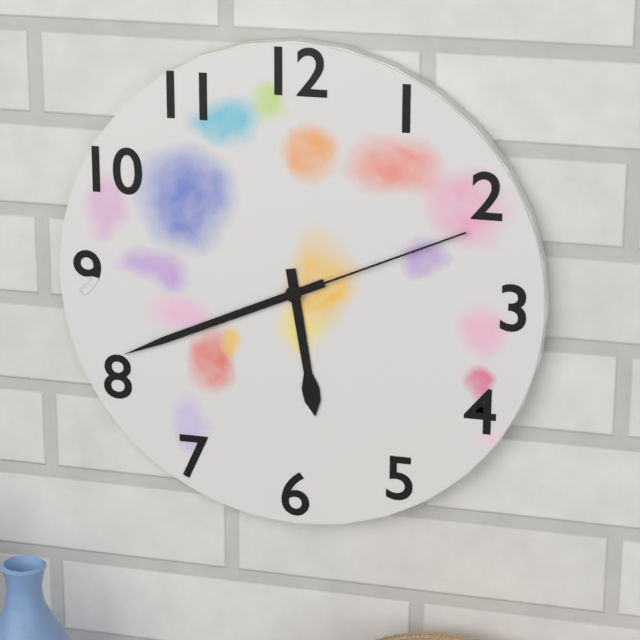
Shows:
5,41,11
